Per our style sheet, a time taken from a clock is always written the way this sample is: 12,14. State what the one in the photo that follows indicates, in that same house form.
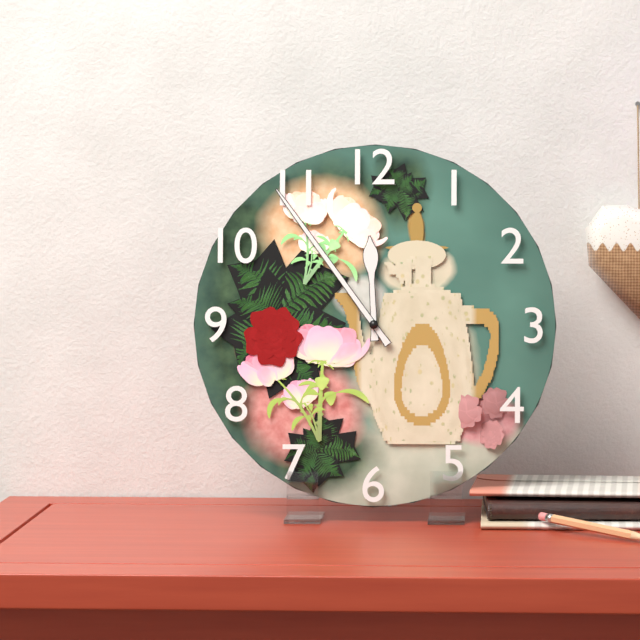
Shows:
11,54
